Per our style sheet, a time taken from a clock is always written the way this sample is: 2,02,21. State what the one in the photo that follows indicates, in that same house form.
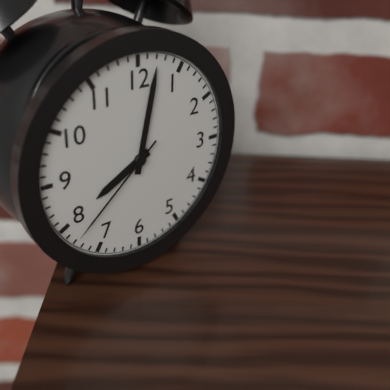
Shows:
8,02,38
